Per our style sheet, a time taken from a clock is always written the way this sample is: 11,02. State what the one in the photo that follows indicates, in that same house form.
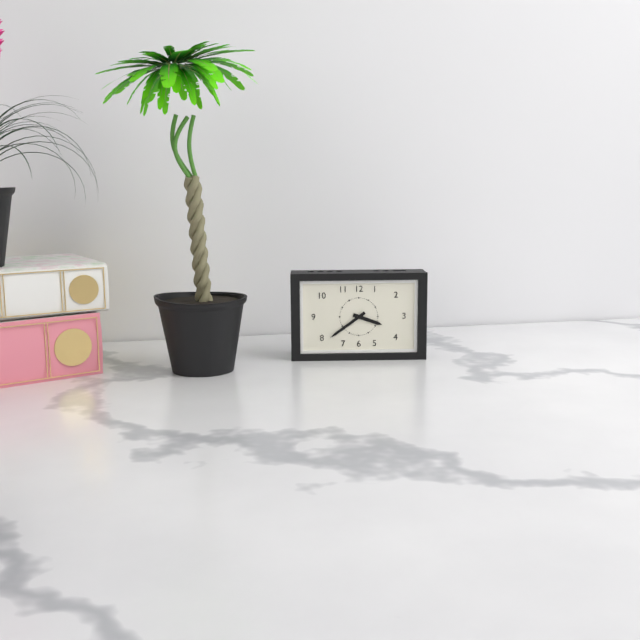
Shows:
3,39
